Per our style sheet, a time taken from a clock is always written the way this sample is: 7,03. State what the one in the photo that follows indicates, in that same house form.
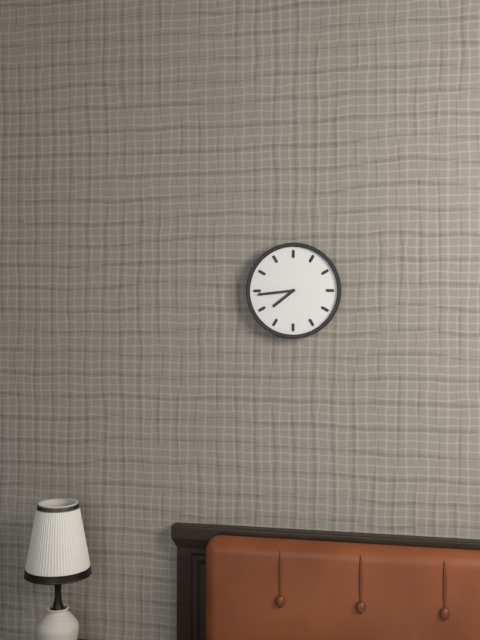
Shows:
7,44
